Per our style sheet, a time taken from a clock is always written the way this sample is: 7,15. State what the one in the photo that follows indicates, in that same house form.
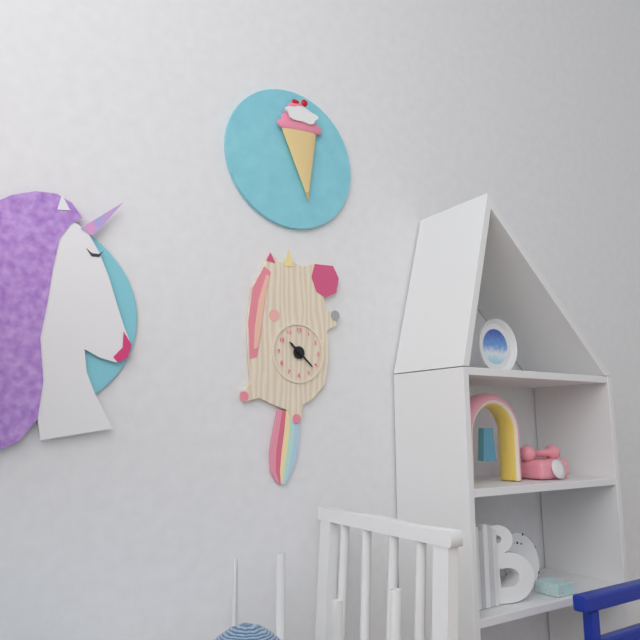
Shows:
10,22
